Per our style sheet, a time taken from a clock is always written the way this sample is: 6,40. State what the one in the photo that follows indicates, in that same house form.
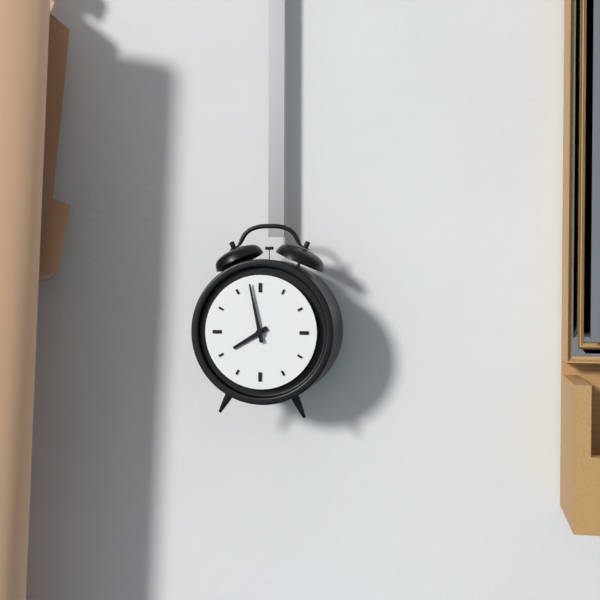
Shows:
7,58
